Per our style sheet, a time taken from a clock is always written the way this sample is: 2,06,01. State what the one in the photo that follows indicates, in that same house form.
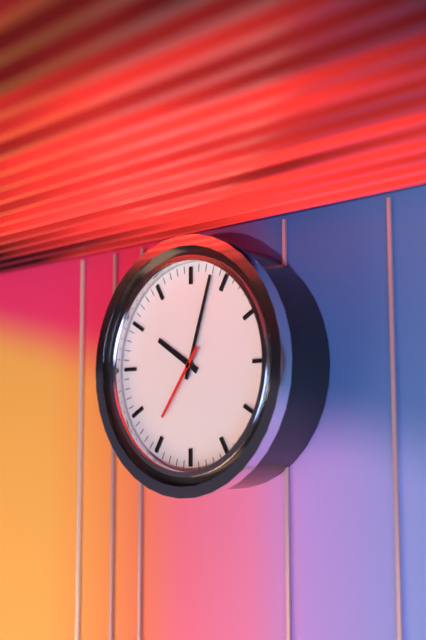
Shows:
10,03,36
